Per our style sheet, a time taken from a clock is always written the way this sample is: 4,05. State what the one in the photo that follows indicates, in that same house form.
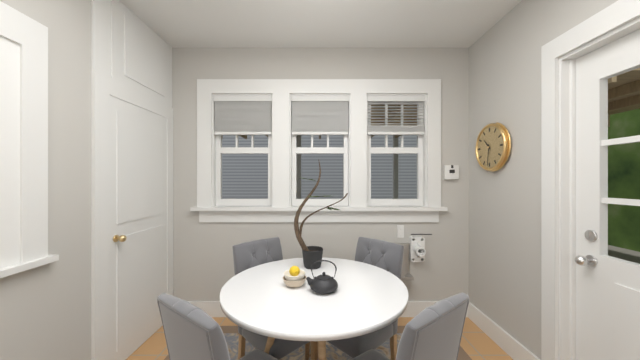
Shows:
10,31
